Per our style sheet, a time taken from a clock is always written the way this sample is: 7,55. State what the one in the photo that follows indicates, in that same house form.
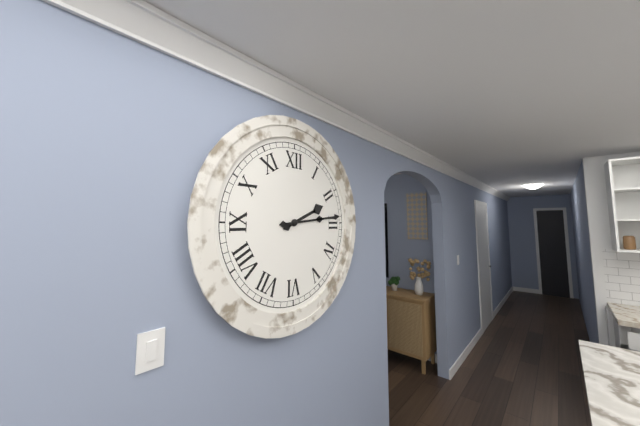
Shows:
2,14
